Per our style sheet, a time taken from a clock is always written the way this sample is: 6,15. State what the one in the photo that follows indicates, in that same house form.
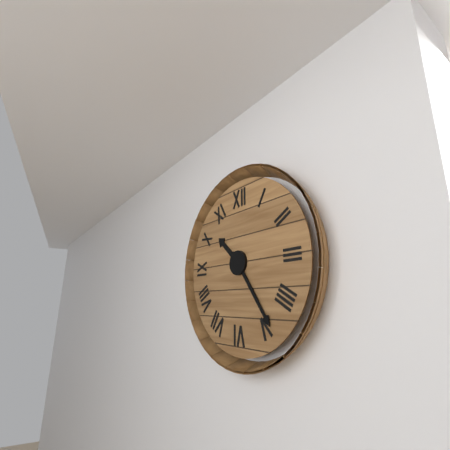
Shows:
10,24
